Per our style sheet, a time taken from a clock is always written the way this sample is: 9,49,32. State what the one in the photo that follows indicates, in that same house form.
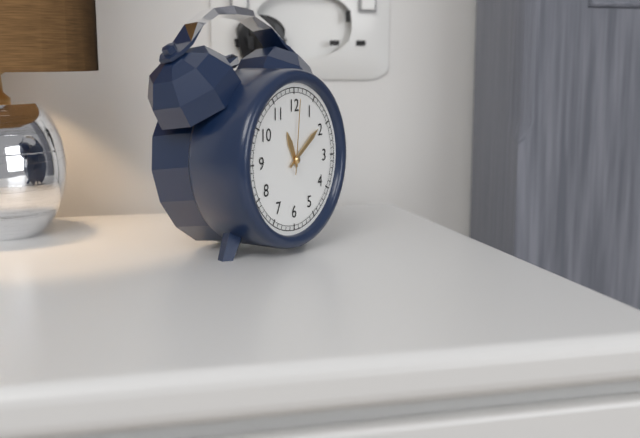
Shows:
11,09,01
